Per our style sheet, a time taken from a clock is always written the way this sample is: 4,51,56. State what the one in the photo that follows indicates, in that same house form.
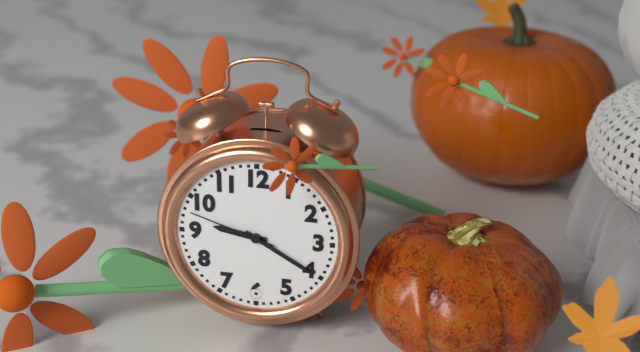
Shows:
9,20,48
